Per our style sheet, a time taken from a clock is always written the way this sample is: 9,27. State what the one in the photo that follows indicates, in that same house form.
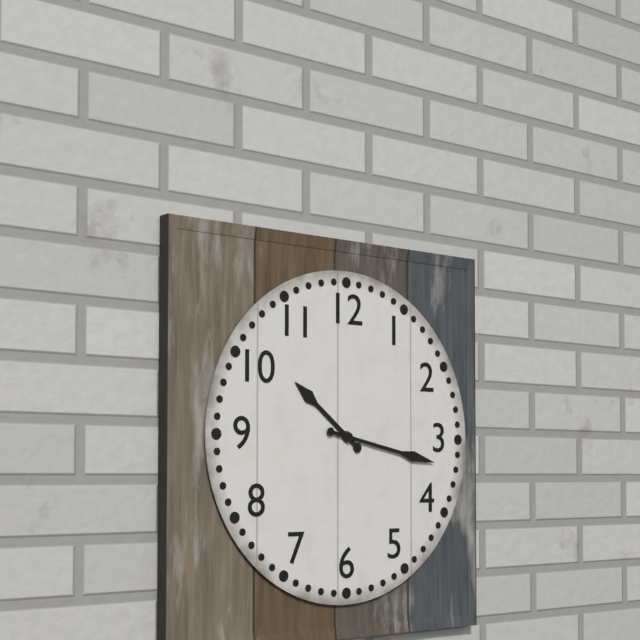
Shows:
10,17
